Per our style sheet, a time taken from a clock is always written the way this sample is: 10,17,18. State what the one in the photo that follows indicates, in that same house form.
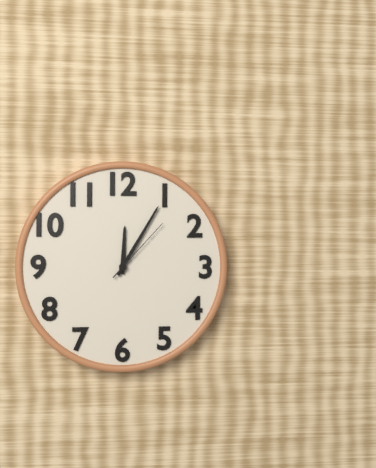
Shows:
12,05,07
